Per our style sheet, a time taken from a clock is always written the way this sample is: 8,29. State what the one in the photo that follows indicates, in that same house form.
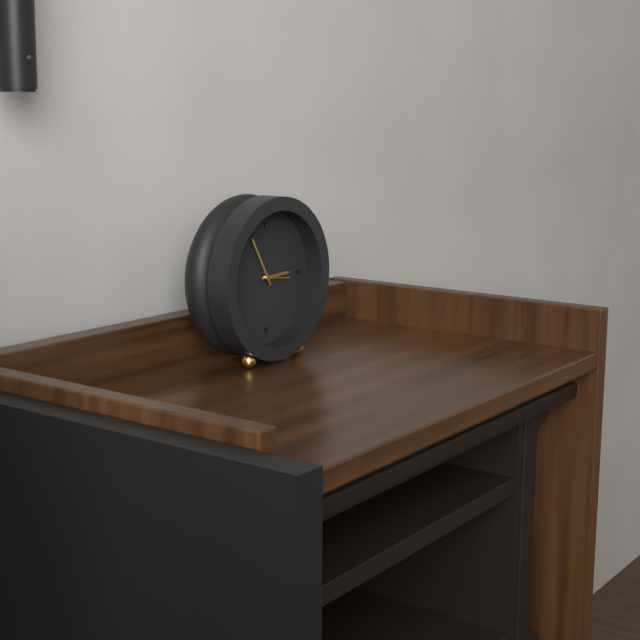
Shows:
2,55
